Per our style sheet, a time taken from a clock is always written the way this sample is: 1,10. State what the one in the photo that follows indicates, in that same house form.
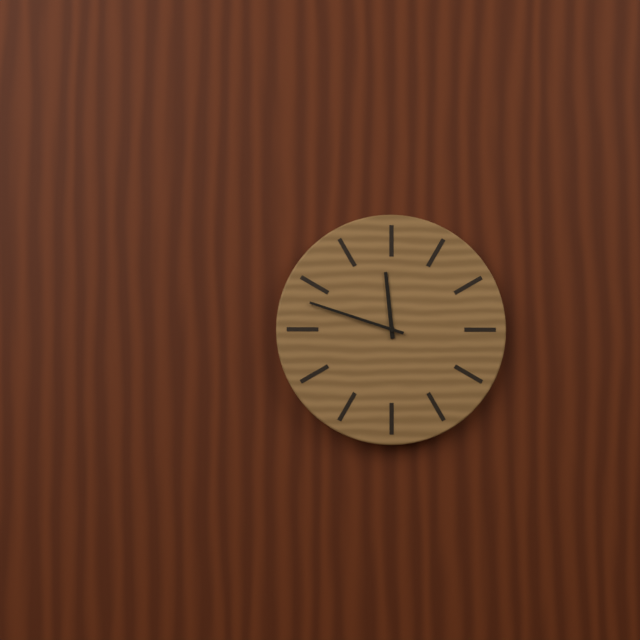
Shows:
11,48
